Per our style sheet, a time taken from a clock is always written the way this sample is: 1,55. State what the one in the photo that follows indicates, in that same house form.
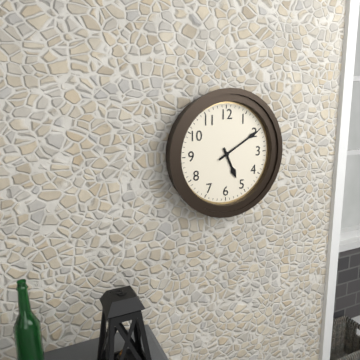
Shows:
5,10
